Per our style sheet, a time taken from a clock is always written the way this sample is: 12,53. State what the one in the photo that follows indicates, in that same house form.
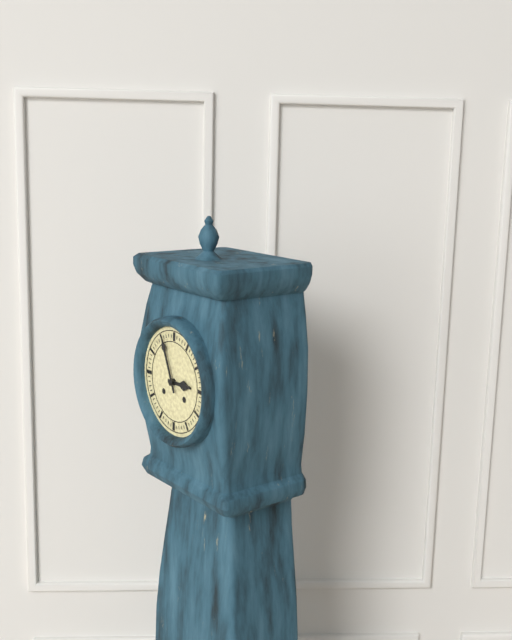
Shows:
2,56
